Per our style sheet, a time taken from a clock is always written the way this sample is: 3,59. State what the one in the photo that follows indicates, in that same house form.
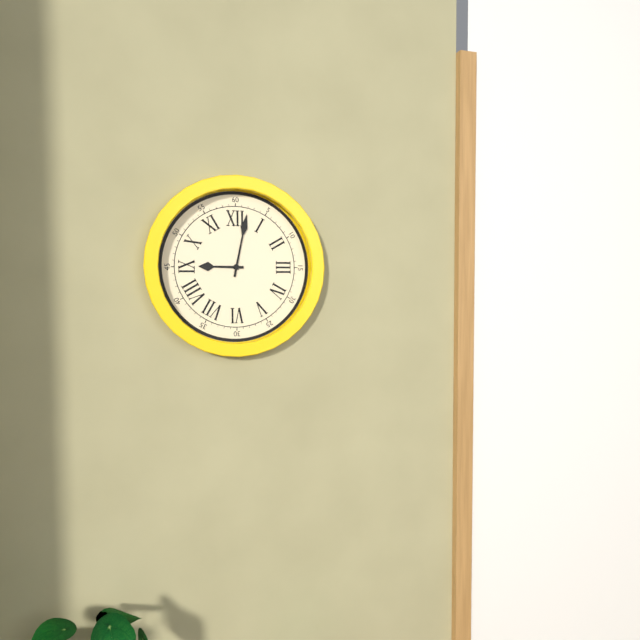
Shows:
9,02
